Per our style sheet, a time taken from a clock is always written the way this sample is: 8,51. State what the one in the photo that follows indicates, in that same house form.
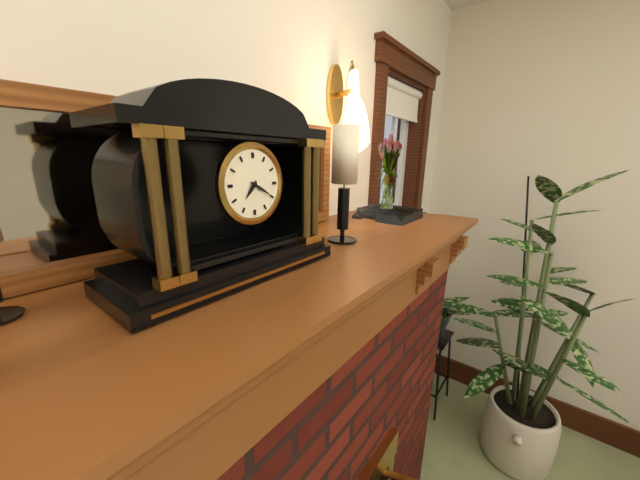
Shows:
7,20
